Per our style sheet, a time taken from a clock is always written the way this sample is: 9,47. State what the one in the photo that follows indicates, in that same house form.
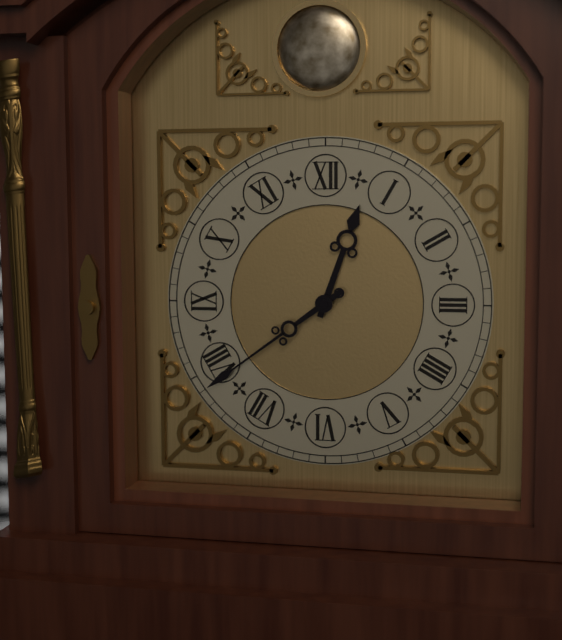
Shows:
12,39
